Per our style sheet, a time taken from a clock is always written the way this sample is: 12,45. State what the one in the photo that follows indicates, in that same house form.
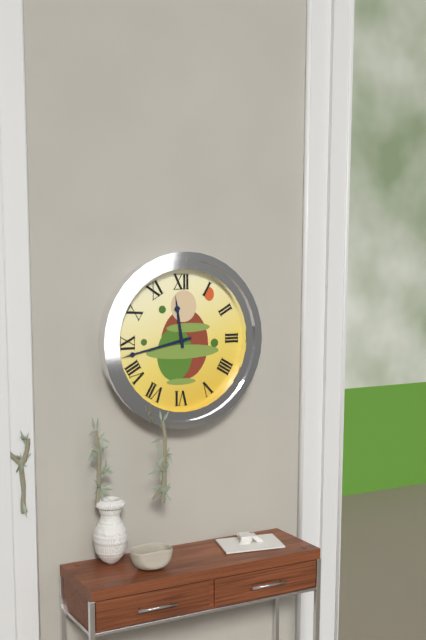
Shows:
11,43
